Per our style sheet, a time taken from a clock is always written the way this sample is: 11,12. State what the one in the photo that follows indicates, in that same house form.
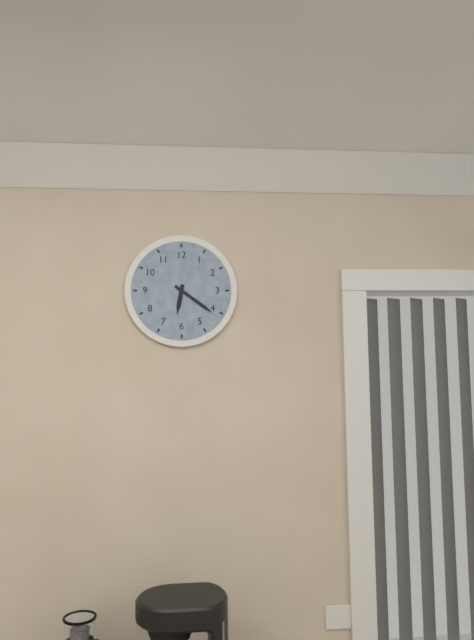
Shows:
6,21
